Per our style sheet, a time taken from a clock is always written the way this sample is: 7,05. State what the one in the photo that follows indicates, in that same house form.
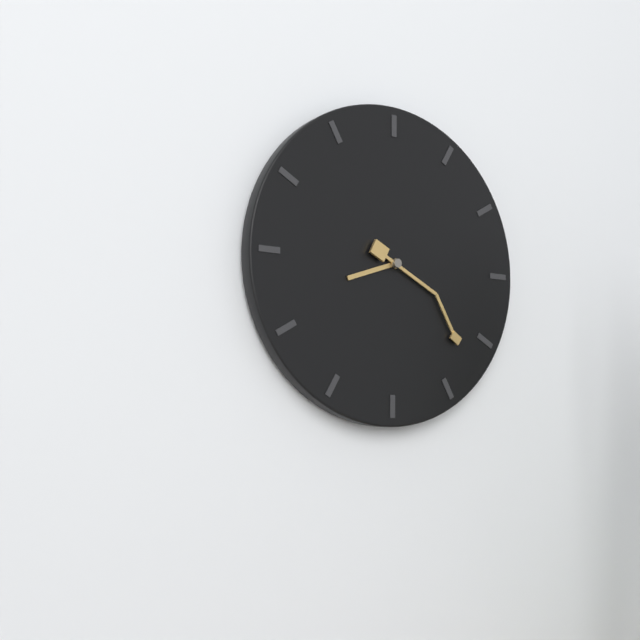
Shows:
8,22
